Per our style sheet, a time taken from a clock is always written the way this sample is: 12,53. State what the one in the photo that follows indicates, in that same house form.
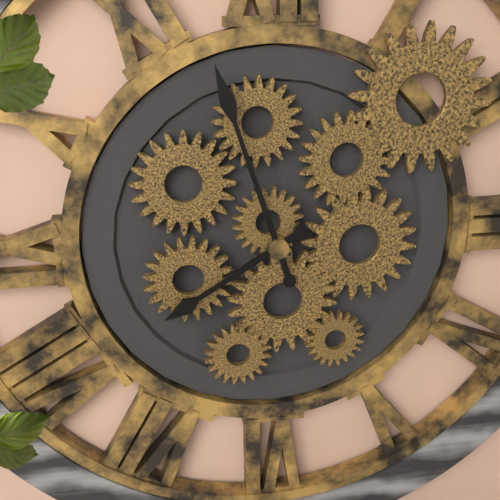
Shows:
7,57
